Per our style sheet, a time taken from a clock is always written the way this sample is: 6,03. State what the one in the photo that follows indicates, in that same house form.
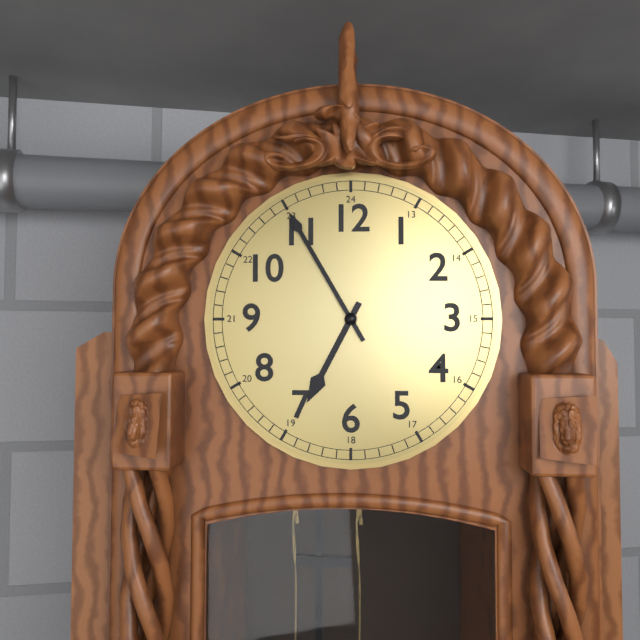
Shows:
6,55
